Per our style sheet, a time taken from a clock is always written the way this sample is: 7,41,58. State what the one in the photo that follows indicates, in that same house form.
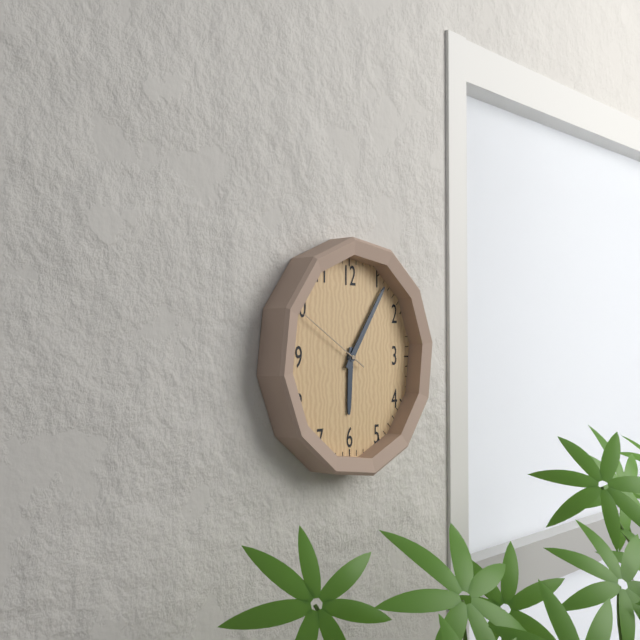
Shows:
6,06,50
